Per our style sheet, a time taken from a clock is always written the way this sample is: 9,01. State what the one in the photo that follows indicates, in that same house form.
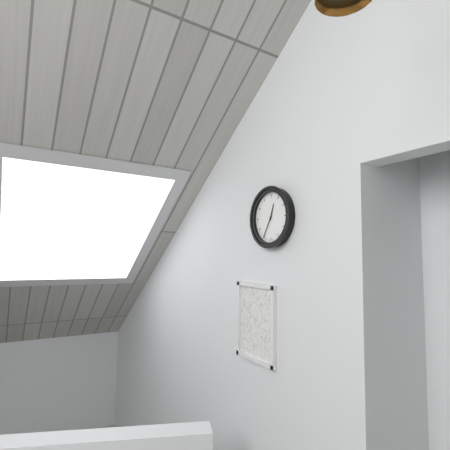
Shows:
12,35
